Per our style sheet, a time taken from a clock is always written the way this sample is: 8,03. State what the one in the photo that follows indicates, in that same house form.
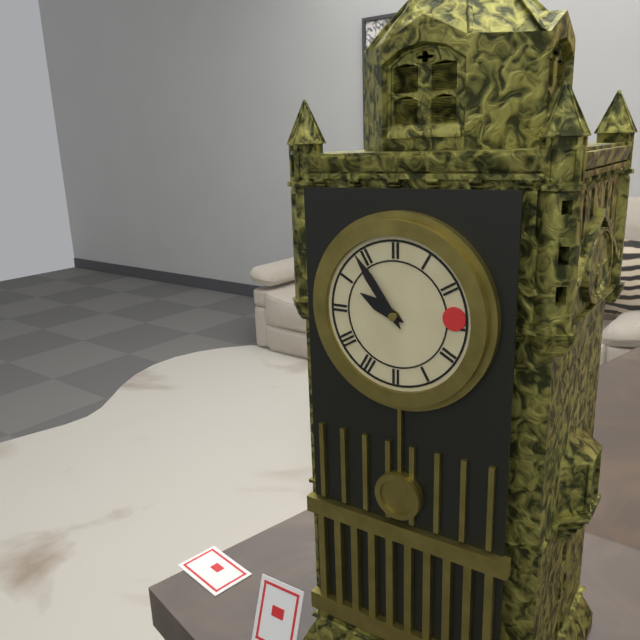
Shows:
9,54
